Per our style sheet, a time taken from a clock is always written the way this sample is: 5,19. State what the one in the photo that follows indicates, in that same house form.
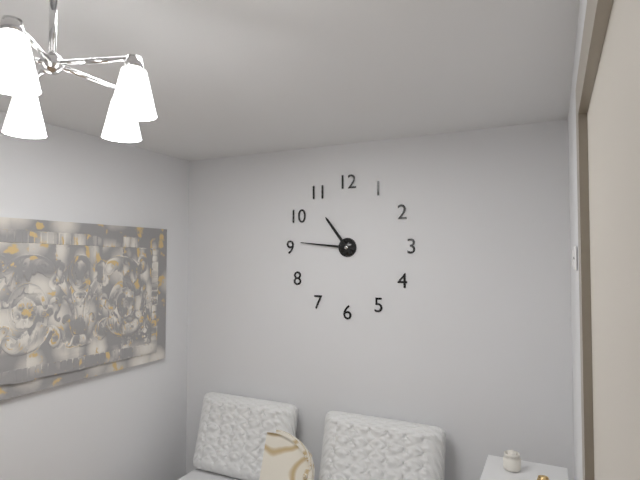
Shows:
10,46
